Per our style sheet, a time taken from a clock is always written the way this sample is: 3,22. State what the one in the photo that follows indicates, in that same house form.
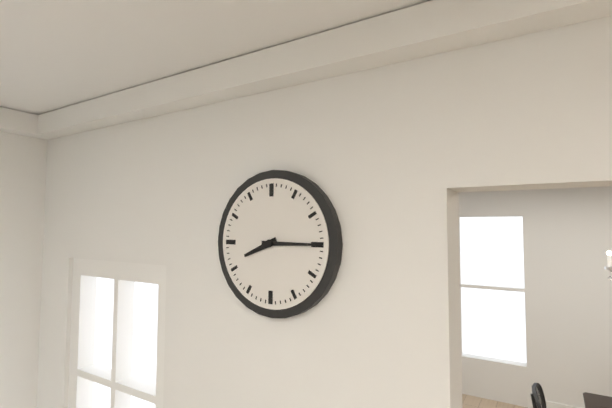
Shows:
8,15
